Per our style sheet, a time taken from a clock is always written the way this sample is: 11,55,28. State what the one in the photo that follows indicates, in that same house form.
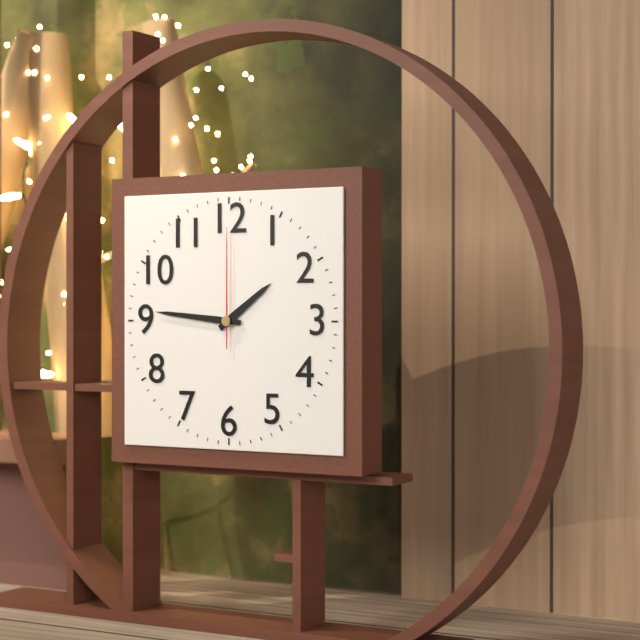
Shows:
1,46,00
